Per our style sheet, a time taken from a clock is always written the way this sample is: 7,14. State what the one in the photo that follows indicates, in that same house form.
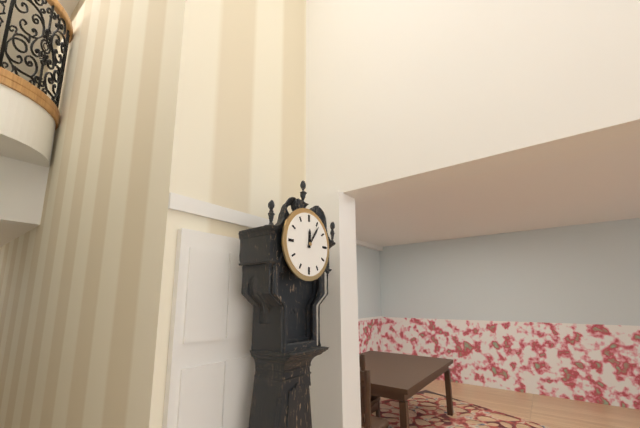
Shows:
12,06
